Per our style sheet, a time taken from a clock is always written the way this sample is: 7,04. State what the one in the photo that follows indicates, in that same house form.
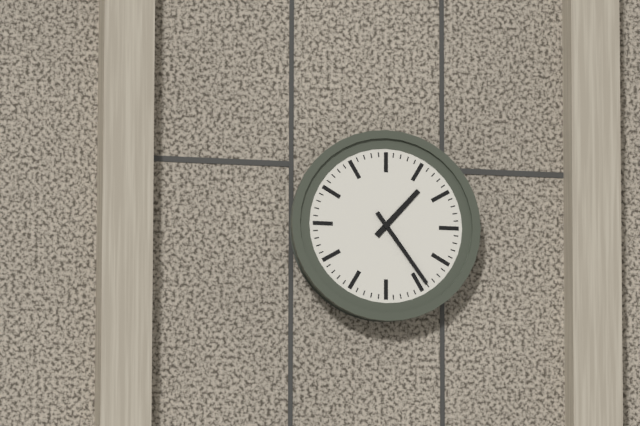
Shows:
1,24
